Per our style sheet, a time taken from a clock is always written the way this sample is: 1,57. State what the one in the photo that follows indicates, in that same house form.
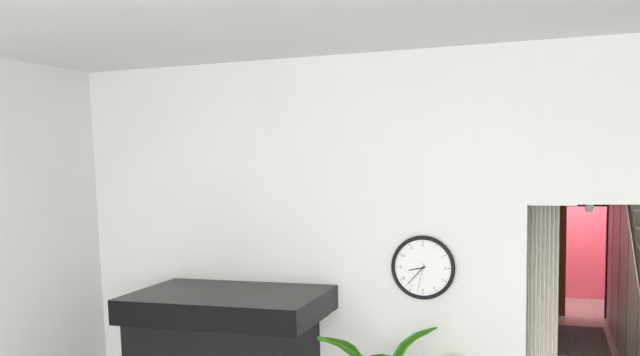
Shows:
8,37
